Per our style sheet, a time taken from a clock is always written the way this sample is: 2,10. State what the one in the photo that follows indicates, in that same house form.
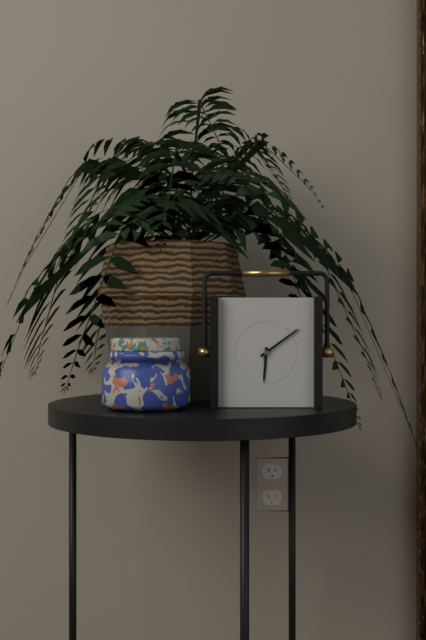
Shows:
6,09
